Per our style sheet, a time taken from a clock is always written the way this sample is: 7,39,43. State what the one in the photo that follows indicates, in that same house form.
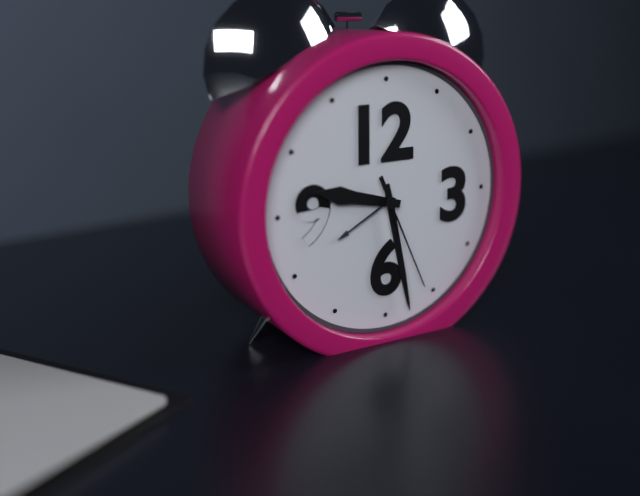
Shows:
9,28,26
